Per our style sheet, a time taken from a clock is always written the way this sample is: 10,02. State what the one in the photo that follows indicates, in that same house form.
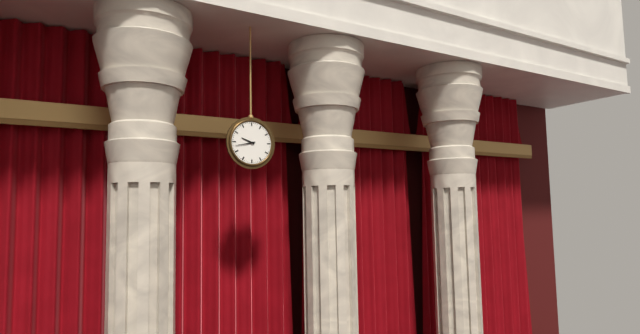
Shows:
9,43
